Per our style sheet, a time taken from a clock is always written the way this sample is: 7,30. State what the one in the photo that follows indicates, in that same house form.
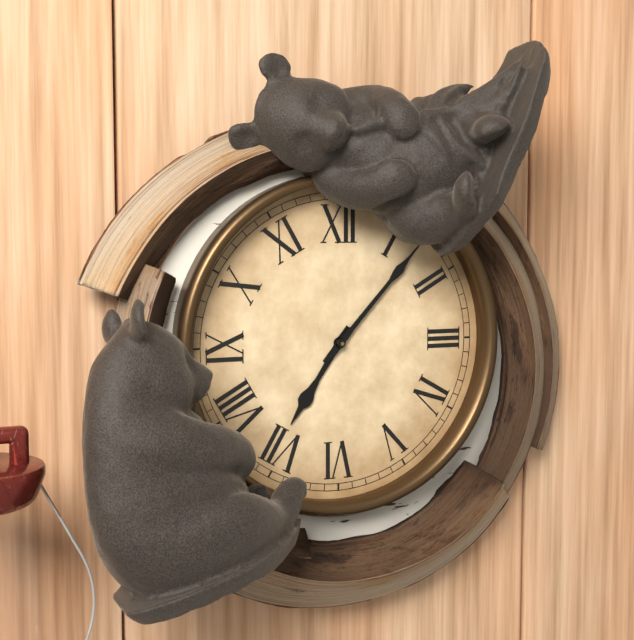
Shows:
7,07
